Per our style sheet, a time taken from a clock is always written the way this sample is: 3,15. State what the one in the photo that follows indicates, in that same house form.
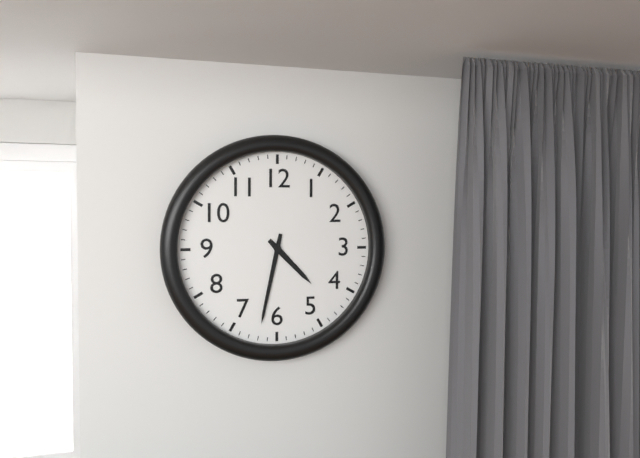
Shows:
4,32
